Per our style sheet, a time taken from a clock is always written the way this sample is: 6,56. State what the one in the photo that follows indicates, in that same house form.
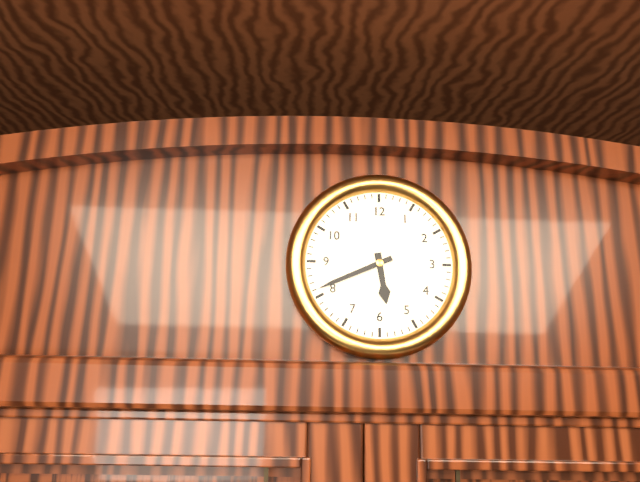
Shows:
5,41
